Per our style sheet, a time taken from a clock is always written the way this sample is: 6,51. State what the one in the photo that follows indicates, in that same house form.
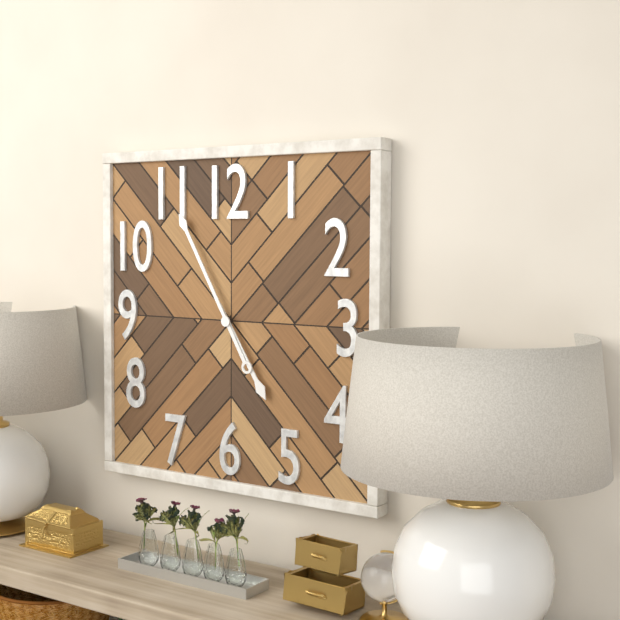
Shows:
4,55
